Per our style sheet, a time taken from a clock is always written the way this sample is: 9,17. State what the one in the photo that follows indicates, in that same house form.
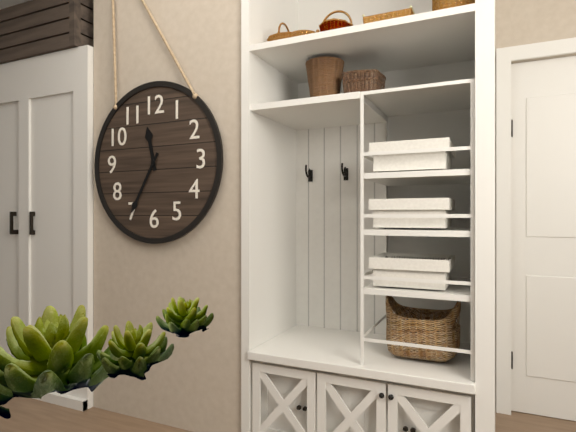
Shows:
11,35
